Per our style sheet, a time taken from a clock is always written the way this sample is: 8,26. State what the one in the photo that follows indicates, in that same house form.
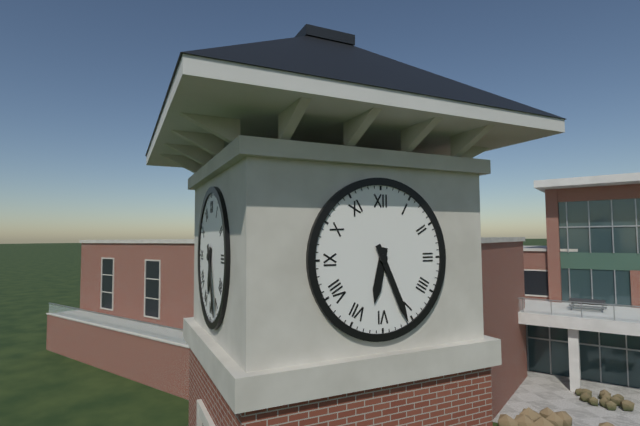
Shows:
6,26
